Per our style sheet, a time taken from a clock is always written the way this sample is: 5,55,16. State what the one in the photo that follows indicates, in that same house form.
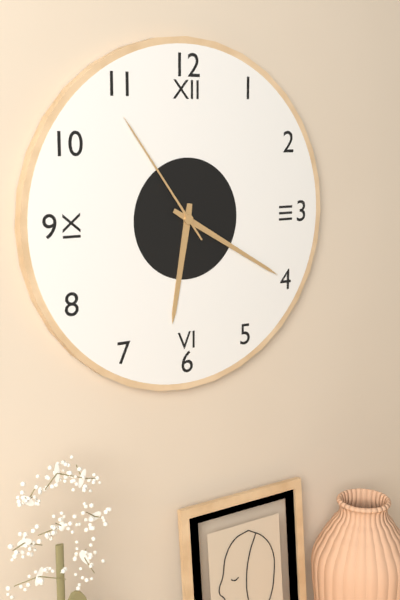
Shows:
6,20,54
